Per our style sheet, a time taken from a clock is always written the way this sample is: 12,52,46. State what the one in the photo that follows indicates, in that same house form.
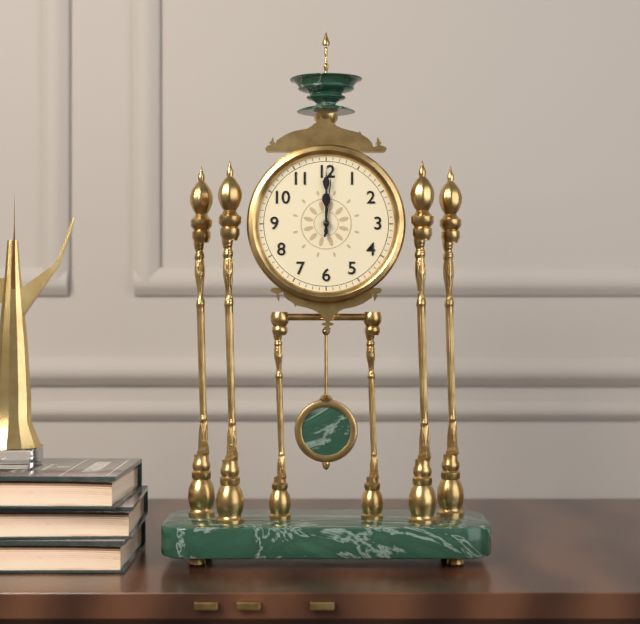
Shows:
12,00,01
